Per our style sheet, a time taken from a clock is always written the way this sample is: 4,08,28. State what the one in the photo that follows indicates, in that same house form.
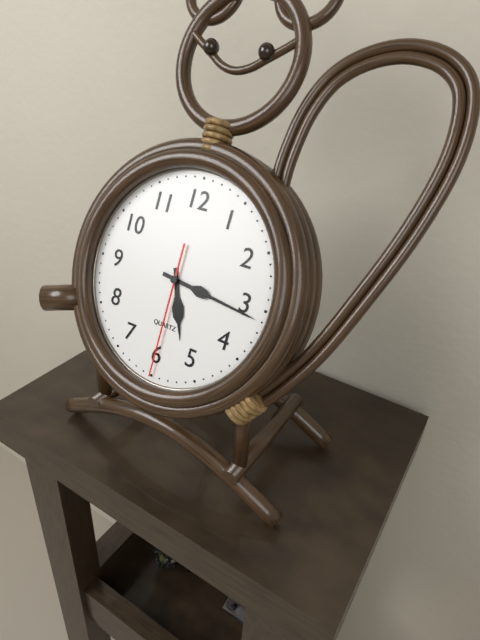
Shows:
5,16,30
